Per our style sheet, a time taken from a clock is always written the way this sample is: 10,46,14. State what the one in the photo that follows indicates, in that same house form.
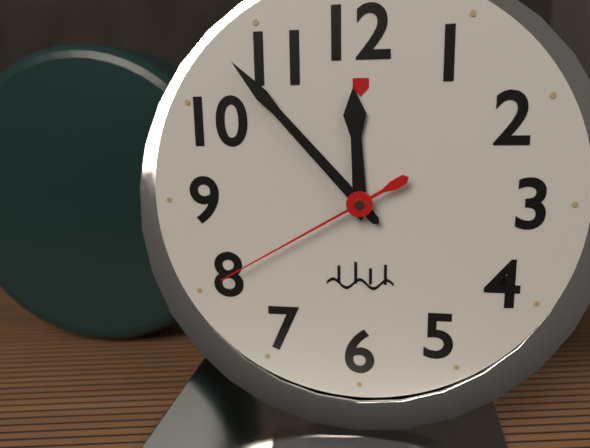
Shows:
11,53,40
